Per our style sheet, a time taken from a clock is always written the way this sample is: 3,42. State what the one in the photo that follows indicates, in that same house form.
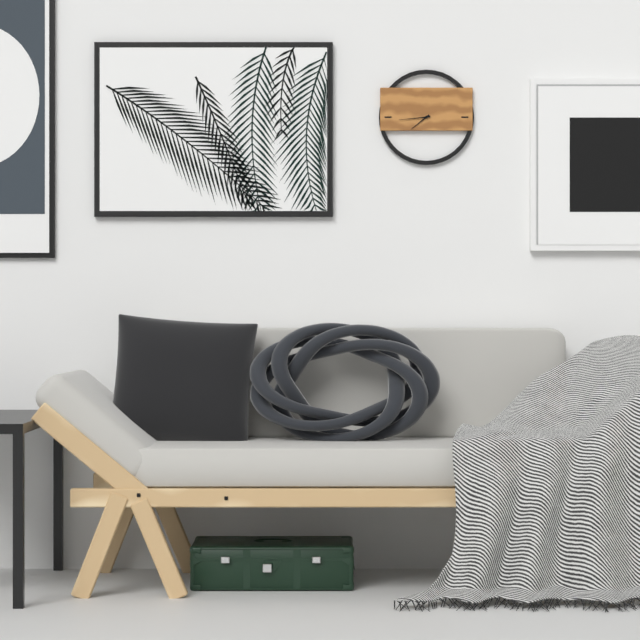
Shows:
7,44
